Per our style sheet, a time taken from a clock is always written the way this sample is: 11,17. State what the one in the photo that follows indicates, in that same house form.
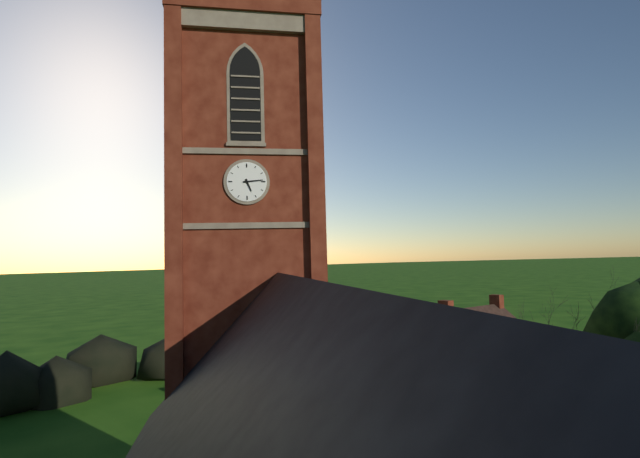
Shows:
5,14
